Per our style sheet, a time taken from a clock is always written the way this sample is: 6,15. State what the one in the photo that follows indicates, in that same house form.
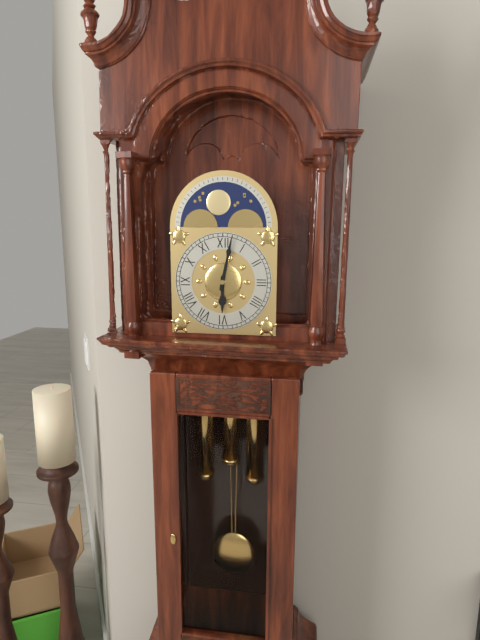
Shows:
6,02
